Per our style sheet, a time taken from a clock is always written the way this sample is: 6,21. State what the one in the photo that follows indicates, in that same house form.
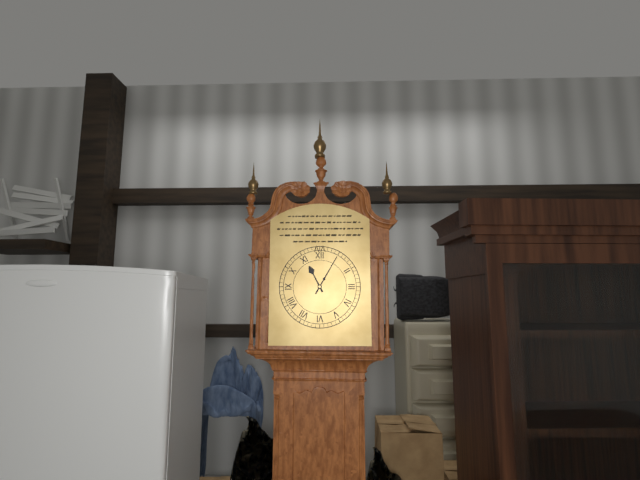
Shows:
11,05
